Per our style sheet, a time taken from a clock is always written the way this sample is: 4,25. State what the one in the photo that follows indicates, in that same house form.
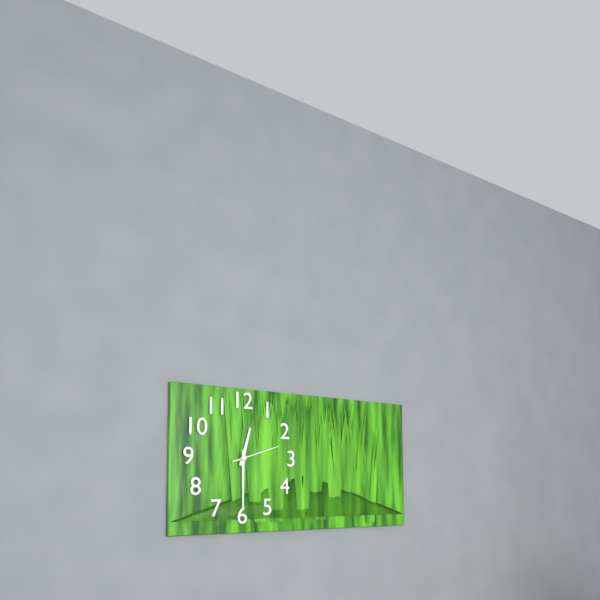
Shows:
12,30
